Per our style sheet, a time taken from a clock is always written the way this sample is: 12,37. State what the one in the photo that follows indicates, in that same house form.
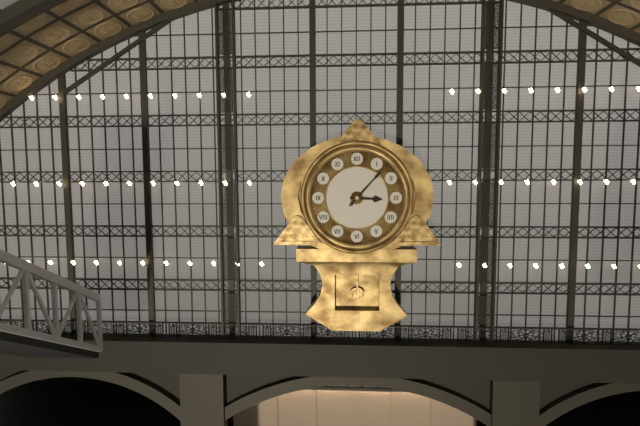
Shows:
3,07
